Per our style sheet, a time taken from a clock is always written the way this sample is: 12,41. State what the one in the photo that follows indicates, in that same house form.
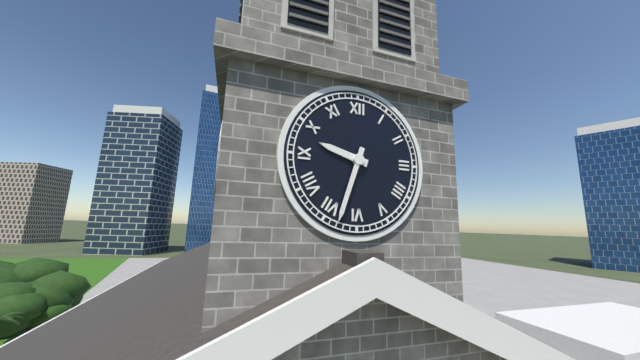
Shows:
9,33
